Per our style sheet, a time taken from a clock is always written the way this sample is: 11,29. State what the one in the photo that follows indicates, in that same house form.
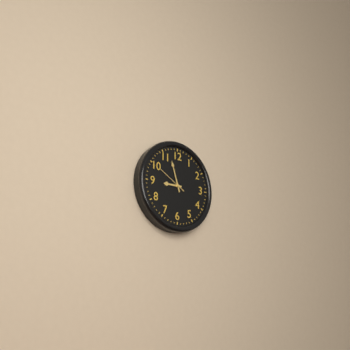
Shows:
8,57
